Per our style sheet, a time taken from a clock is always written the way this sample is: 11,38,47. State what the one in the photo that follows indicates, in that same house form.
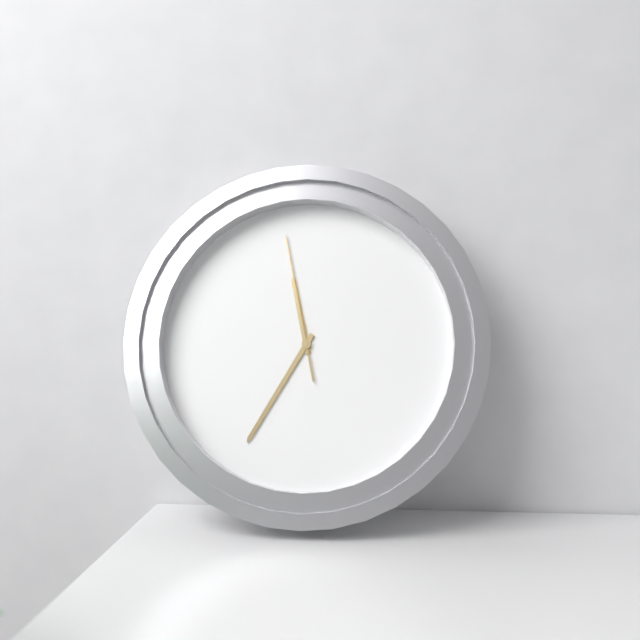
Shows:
11,35,58
